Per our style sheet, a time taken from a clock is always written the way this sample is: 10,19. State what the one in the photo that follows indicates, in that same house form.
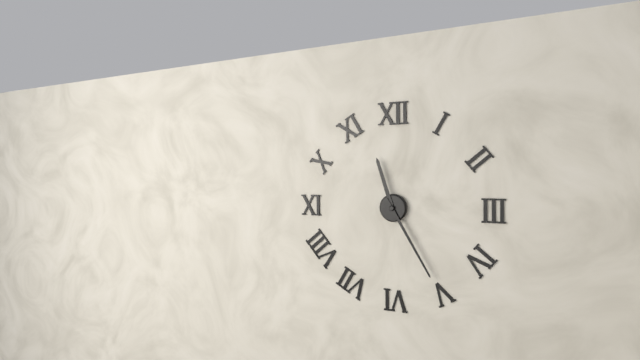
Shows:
11,25
